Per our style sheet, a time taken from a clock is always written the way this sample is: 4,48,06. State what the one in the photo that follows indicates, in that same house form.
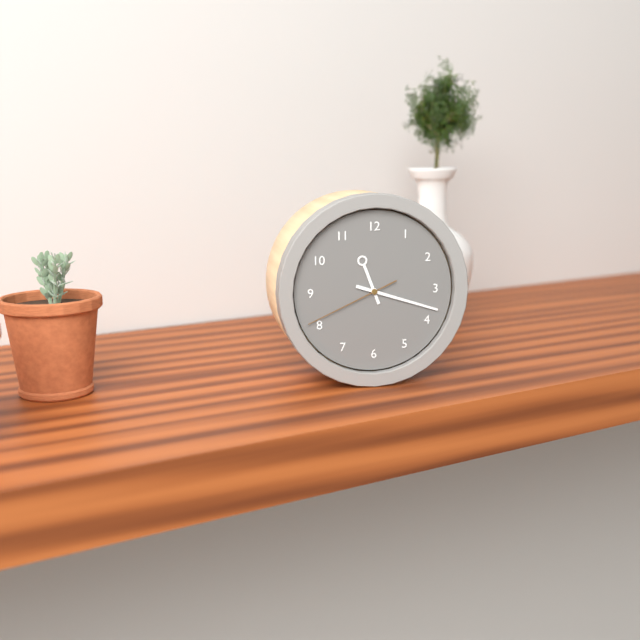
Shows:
11,18,41
